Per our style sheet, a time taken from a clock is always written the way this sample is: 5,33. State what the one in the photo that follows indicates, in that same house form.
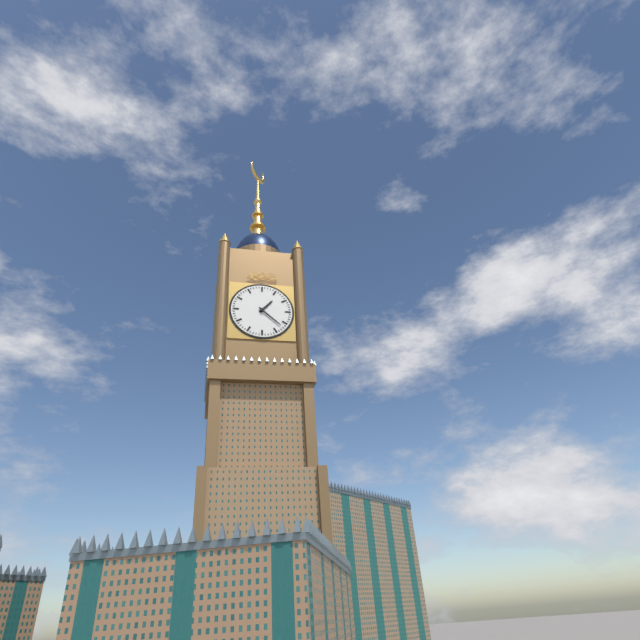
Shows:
1,22
